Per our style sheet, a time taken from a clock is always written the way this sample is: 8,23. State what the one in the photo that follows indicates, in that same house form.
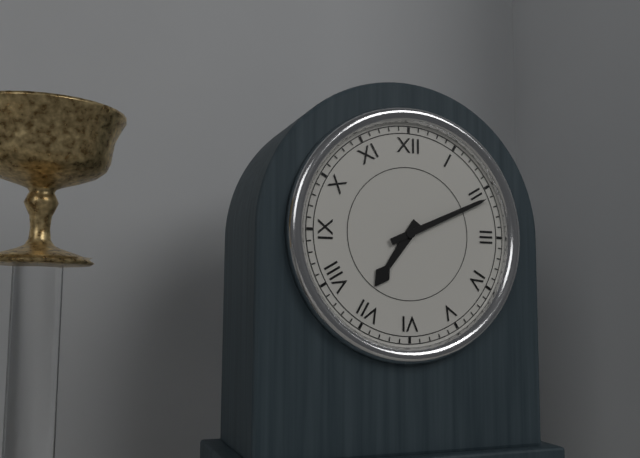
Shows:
7,11
